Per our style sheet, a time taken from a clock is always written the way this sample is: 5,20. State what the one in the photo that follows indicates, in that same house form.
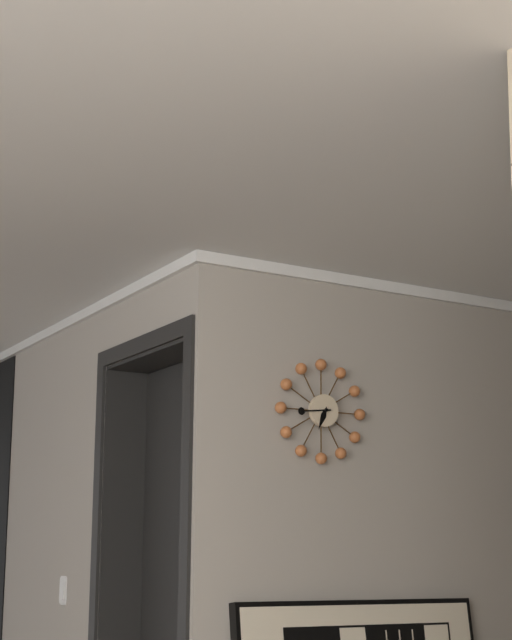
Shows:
6,44
